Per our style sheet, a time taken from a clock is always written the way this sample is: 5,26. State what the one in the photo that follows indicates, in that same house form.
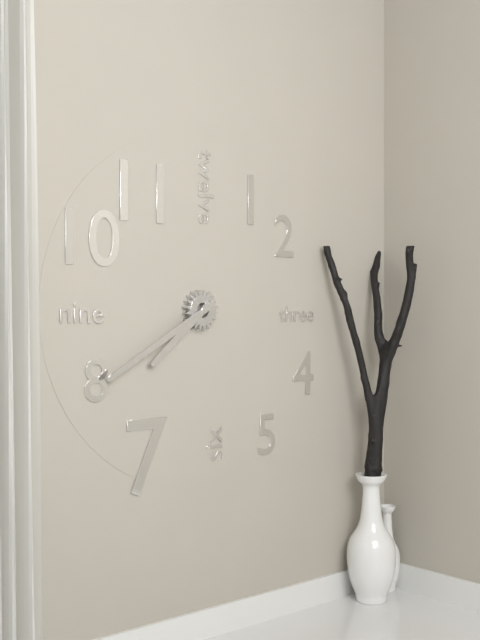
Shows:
7,40
